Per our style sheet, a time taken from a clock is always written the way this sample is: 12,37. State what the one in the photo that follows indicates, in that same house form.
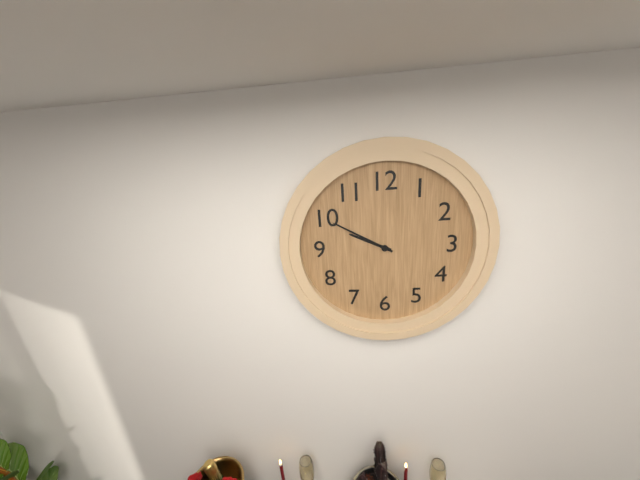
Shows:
9,50
